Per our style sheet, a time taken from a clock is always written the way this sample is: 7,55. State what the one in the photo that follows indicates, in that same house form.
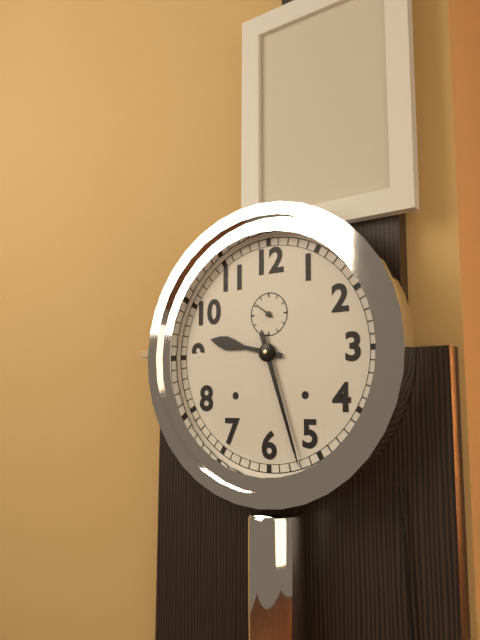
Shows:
9,27
